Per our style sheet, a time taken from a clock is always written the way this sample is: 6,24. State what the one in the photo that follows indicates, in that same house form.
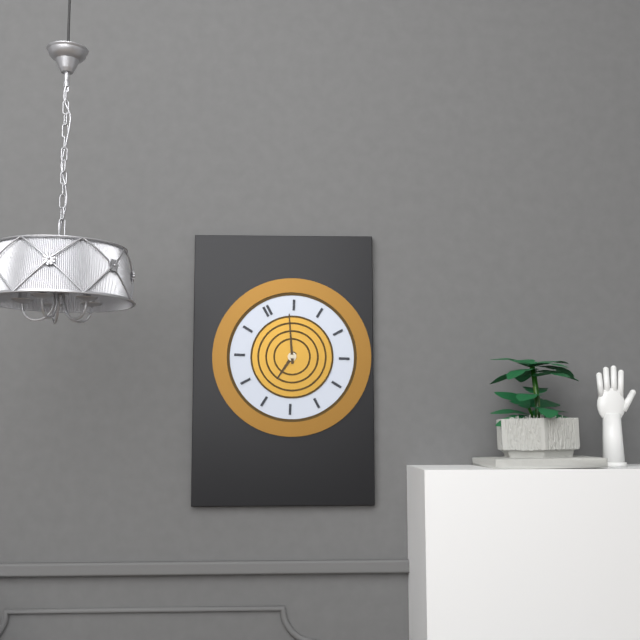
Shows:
8,04
